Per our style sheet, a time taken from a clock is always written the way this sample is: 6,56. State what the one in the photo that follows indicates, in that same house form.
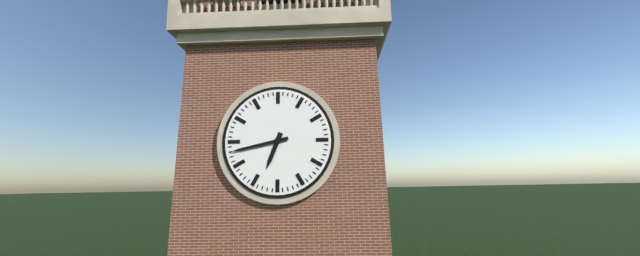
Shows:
6,43
